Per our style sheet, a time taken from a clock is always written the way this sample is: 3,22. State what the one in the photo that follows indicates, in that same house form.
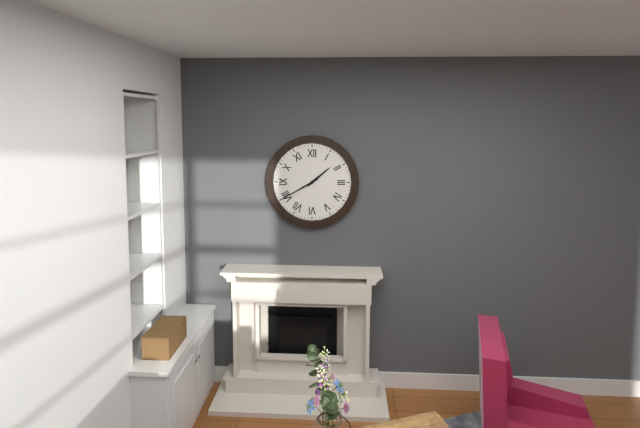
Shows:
1,40
